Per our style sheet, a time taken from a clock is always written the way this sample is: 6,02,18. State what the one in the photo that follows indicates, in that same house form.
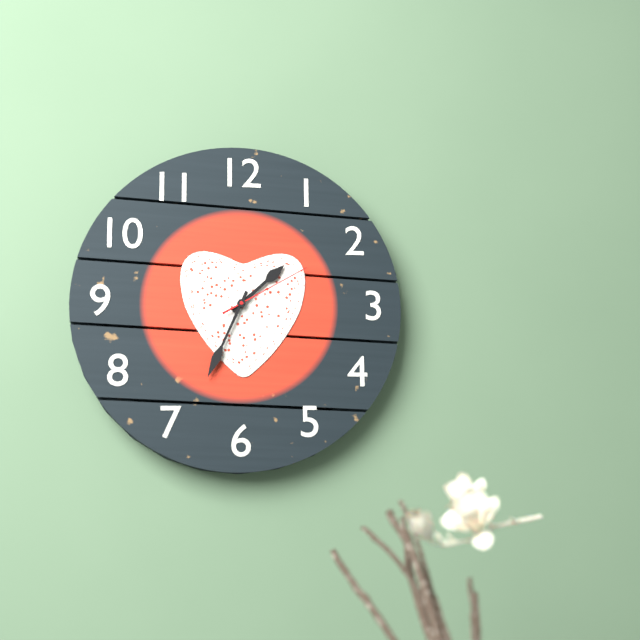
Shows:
1,34,10
